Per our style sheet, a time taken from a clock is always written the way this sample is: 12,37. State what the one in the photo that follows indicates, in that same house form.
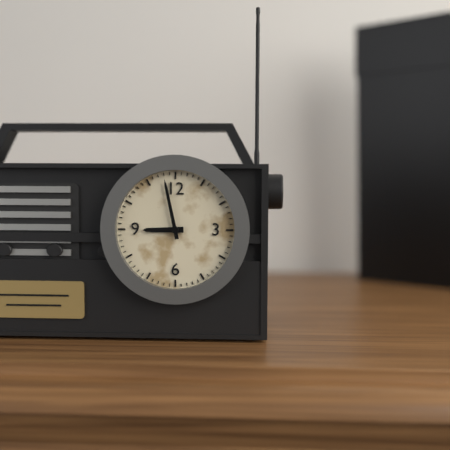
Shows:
8,58
